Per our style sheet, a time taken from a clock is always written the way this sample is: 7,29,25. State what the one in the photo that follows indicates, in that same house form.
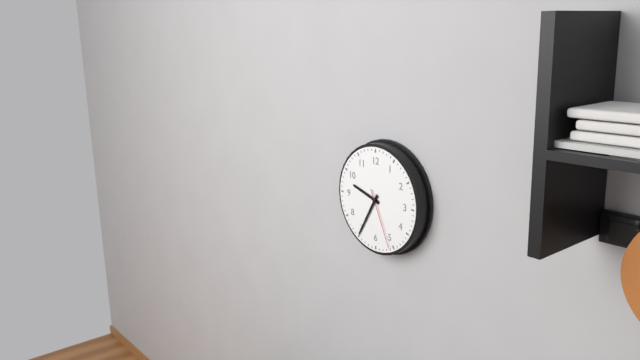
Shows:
9,35,26
